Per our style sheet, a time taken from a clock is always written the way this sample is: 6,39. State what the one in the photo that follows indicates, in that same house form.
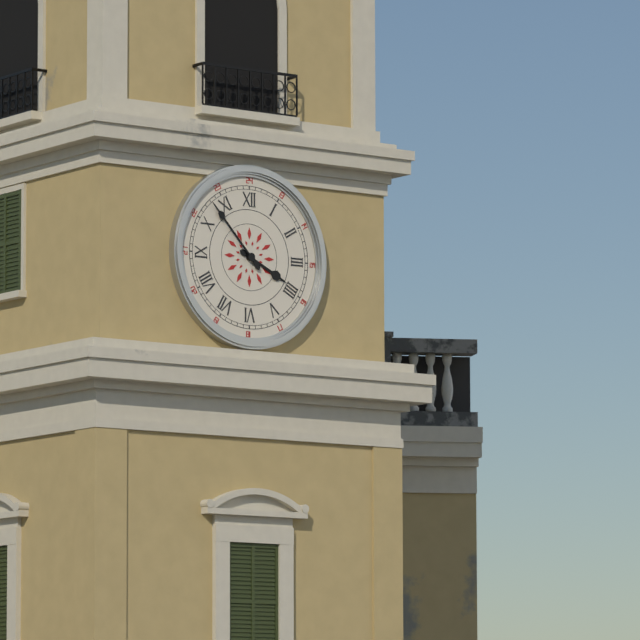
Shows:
3,53
